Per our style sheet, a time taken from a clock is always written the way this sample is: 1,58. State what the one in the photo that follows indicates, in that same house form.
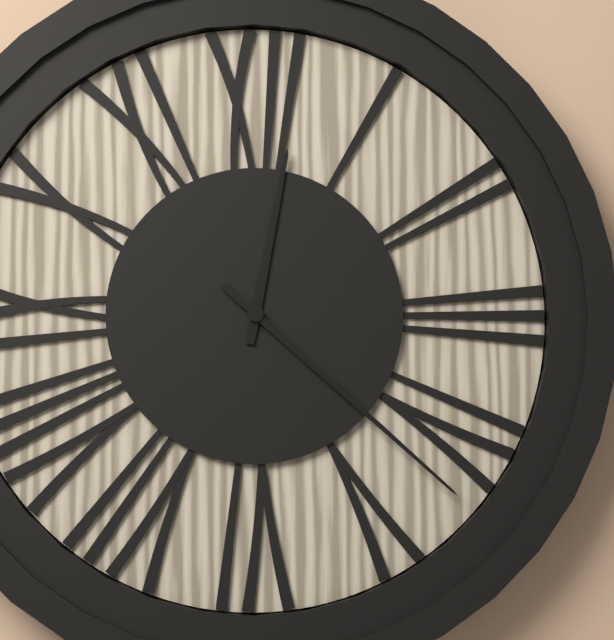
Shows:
12,22
